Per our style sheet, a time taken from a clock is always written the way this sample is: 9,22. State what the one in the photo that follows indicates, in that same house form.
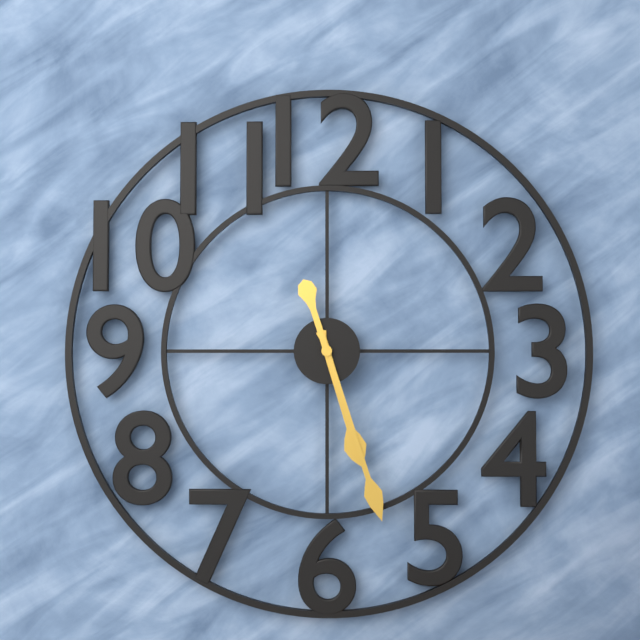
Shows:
5,27
